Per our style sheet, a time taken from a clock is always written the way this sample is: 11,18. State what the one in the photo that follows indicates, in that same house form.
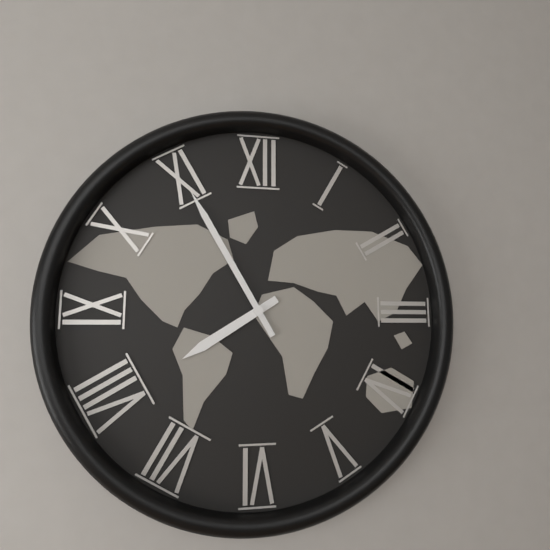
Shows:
7,55
